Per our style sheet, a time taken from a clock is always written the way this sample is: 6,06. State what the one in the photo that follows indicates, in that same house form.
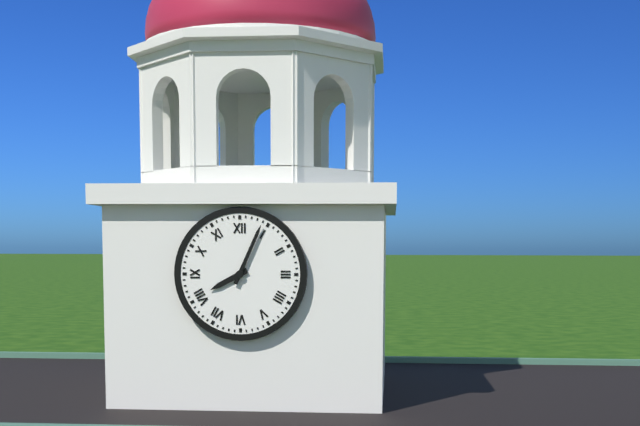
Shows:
8,04
